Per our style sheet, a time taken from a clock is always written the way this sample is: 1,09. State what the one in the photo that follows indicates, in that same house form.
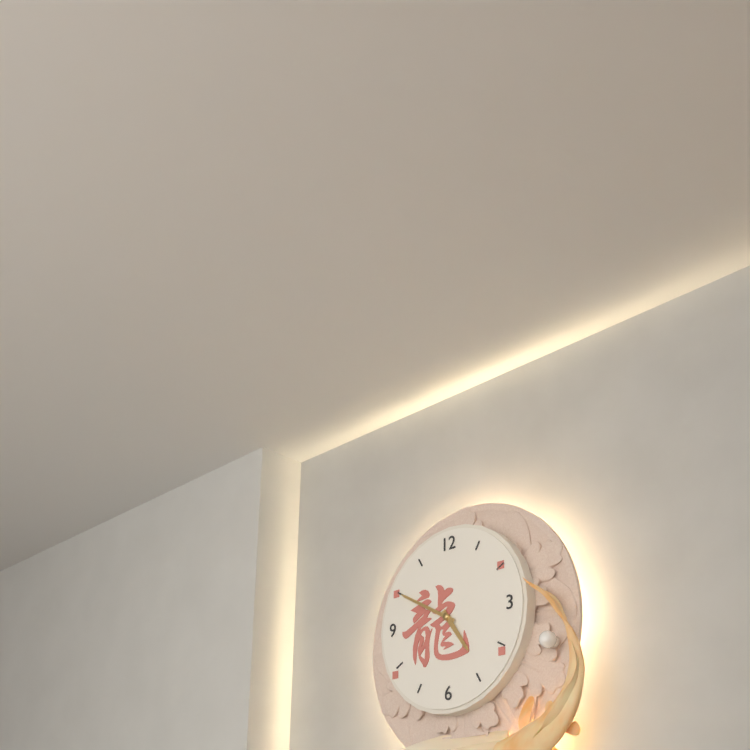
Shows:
4,50
